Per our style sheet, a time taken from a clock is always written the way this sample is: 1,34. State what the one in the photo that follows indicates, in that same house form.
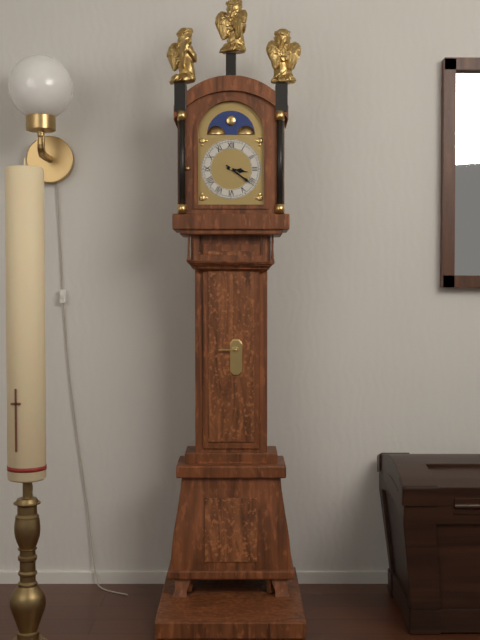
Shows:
3,21
